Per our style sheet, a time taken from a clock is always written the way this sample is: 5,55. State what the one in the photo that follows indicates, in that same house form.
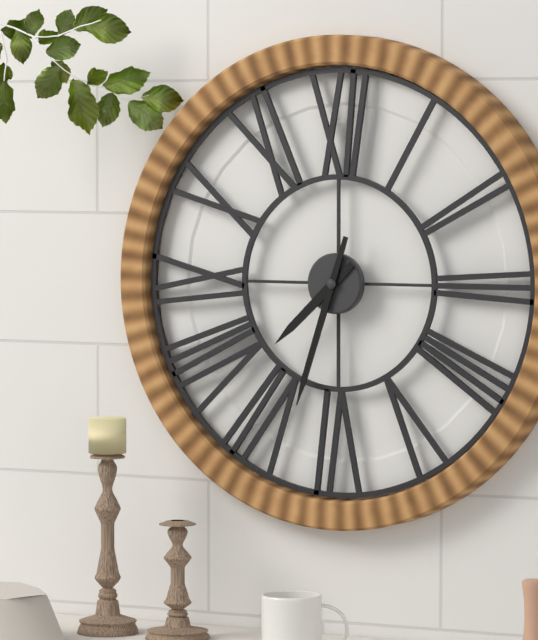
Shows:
7,33
